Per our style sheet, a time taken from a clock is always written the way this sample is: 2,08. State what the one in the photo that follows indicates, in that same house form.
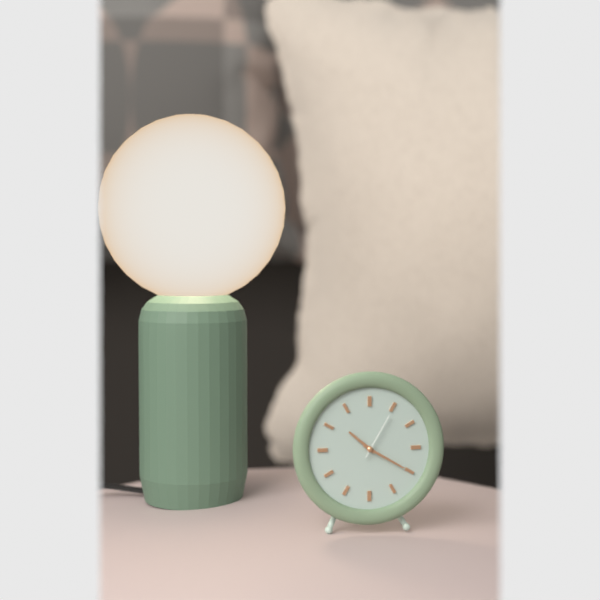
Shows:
10,20
